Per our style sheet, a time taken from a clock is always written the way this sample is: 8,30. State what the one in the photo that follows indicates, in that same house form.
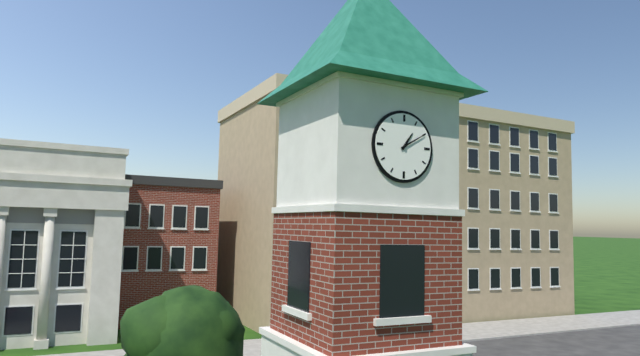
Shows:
1,10
